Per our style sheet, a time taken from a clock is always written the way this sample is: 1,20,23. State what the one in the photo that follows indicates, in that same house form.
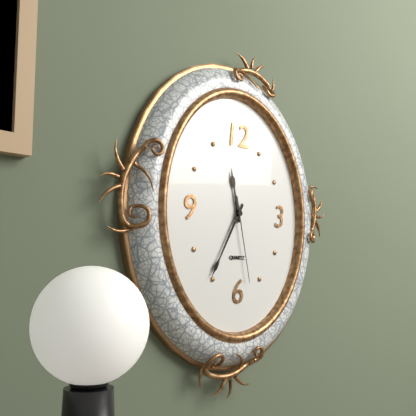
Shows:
11,35,28
